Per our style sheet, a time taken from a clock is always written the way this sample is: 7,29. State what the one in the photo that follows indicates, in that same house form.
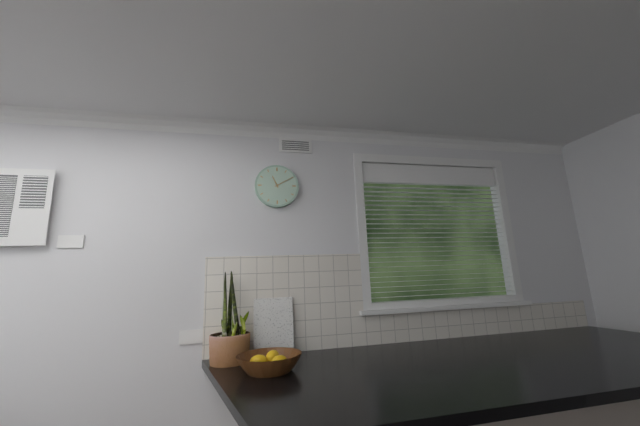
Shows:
11,10
